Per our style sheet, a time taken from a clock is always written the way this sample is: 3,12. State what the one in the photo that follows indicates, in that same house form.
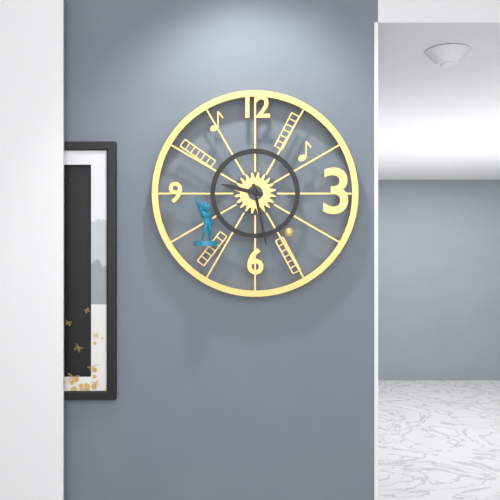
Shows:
9,28
